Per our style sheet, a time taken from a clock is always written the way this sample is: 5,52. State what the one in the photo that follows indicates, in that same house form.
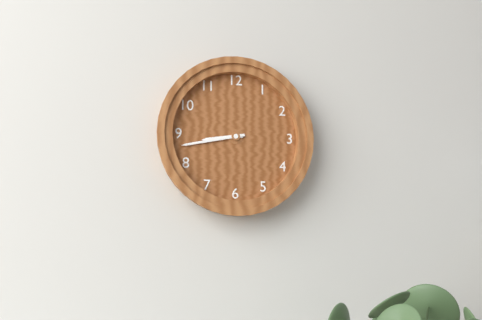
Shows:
8,43
